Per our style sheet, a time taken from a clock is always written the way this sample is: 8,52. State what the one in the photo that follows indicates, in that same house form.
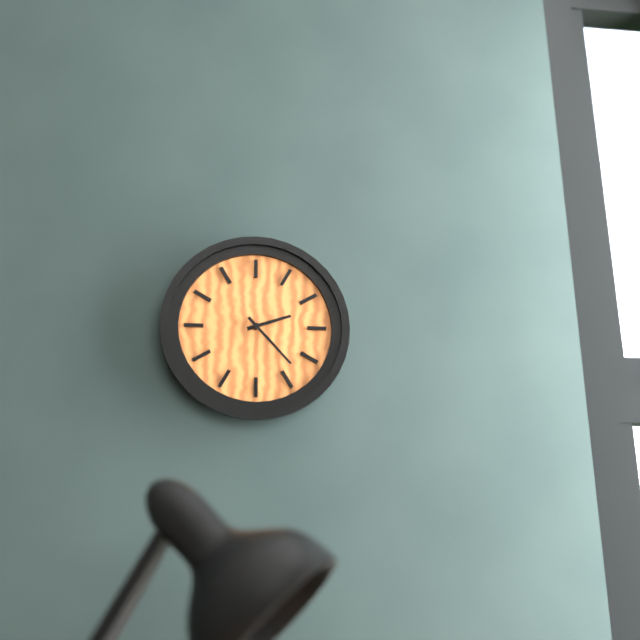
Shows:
2,23
